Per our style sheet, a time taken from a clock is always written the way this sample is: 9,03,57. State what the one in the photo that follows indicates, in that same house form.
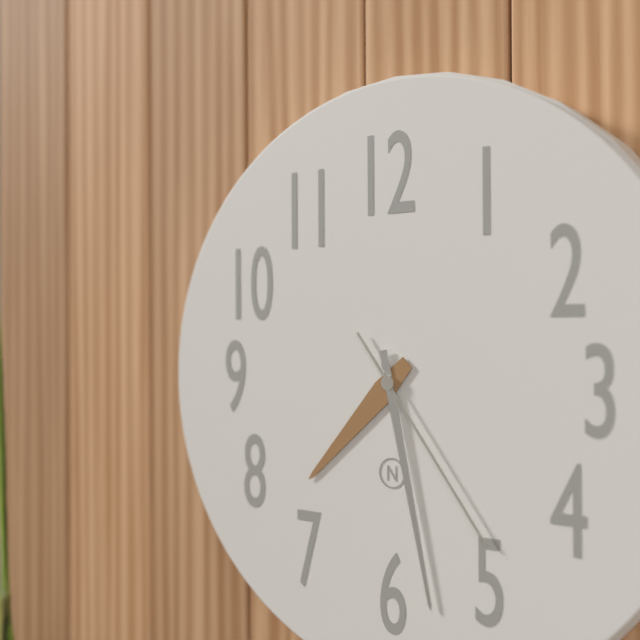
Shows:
7,28,24
